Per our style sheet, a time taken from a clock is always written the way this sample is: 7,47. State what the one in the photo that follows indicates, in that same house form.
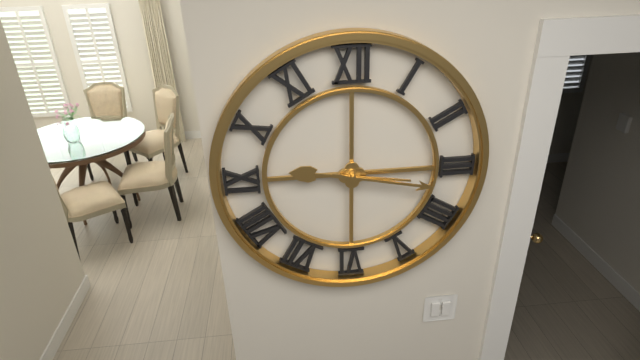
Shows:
9,17
